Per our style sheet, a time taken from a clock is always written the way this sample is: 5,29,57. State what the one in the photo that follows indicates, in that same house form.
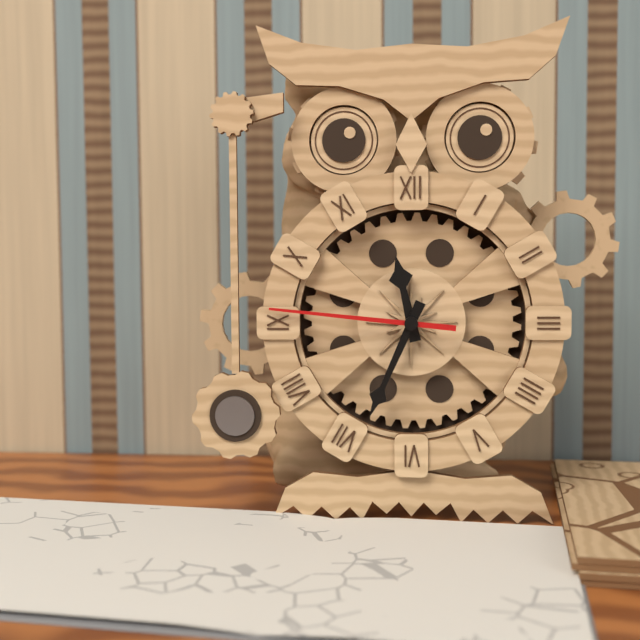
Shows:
11,34,46
